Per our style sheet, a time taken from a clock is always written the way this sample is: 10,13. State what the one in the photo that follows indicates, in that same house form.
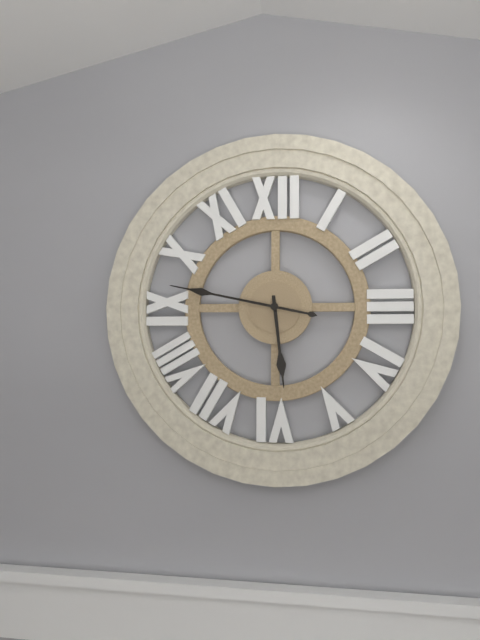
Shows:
5,47
